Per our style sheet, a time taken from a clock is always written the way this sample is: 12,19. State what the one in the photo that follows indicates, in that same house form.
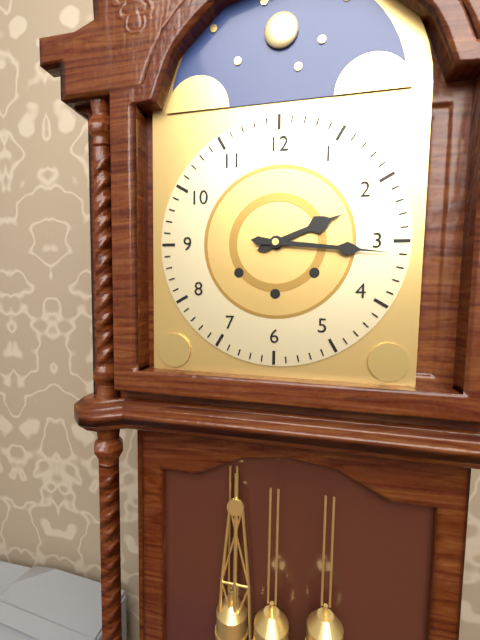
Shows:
2,16
